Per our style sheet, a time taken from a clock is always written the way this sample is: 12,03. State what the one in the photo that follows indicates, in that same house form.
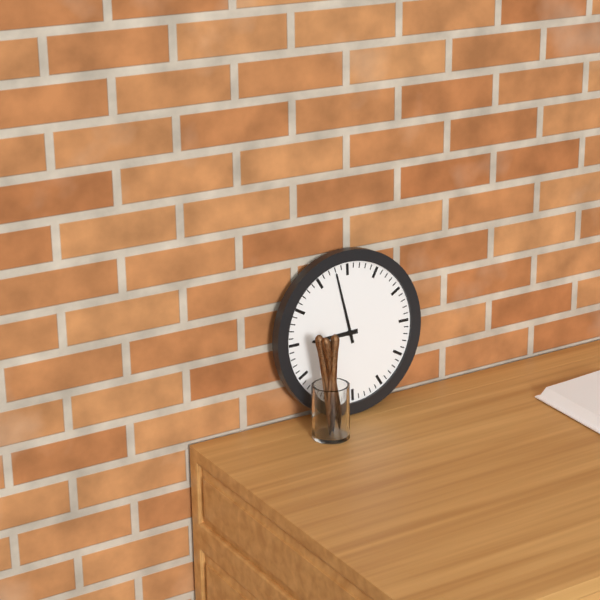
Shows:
8,58
